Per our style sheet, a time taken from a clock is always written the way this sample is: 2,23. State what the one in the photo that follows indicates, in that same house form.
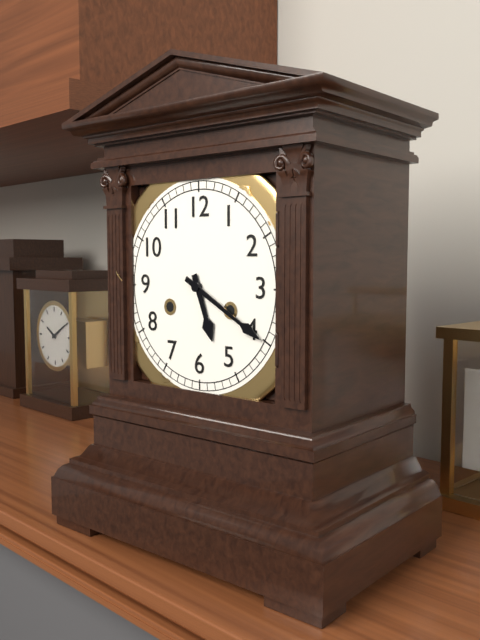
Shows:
5,20
